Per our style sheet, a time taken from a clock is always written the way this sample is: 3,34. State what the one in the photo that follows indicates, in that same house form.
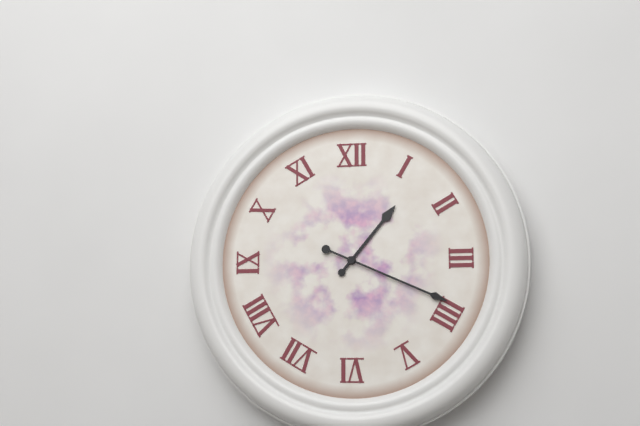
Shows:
1,19
